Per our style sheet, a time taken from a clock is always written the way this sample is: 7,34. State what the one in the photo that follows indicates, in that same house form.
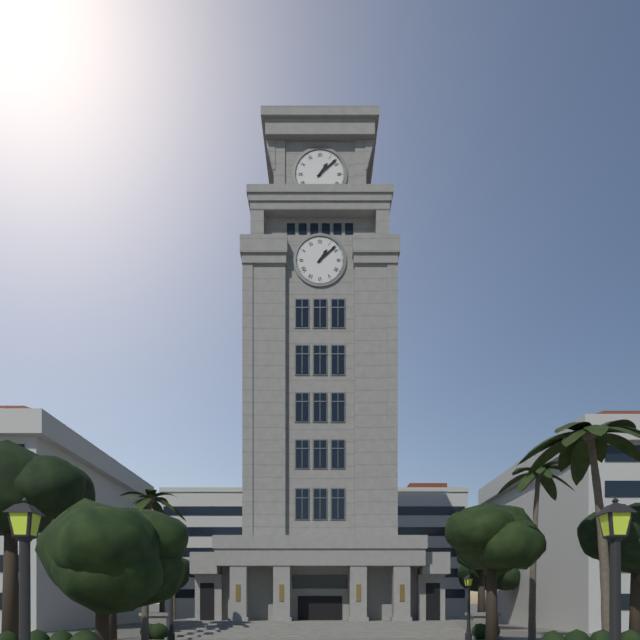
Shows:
1,08
